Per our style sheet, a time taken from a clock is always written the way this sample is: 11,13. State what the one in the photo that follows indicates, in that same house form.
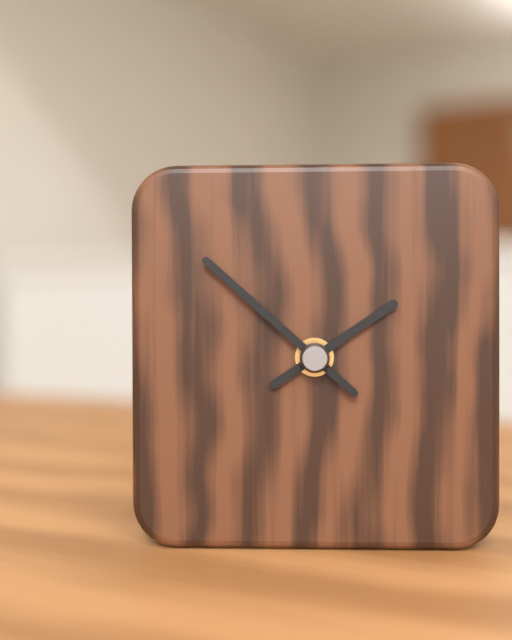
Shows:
1,52
